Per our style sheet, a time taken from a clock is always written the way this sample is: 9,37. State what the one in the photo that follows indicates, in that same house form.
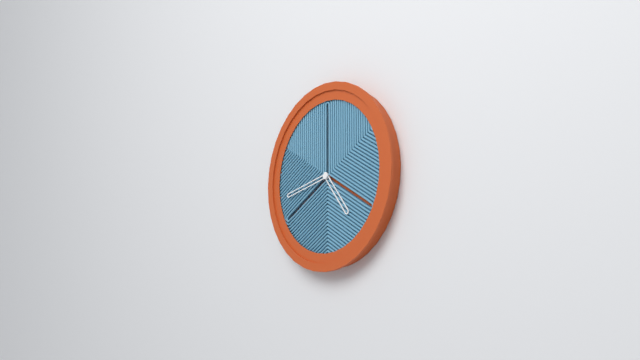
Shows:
4,43
